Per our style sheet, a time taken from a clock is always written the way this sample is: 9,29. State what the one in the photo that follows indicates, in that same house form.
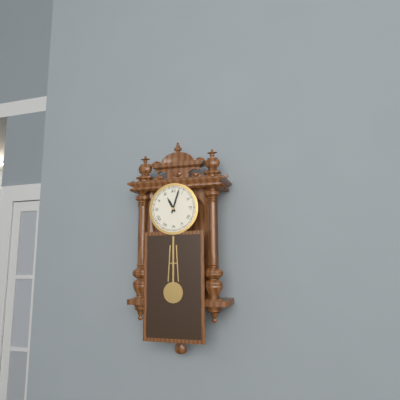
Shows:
11,03
